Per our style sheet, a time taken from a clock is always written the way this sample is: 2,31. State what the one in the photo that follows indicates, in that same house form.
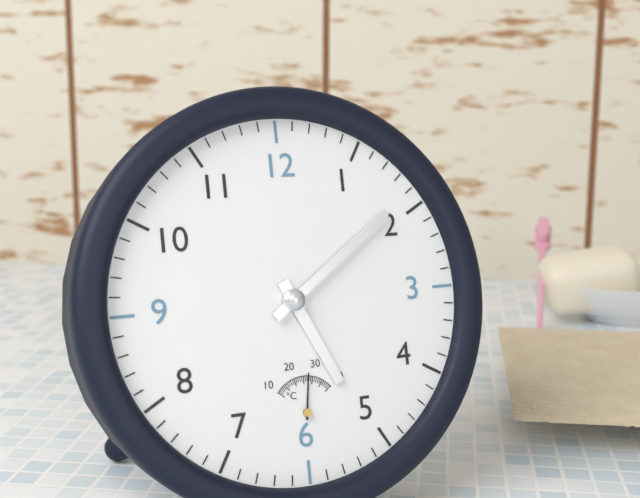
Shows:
5,09
